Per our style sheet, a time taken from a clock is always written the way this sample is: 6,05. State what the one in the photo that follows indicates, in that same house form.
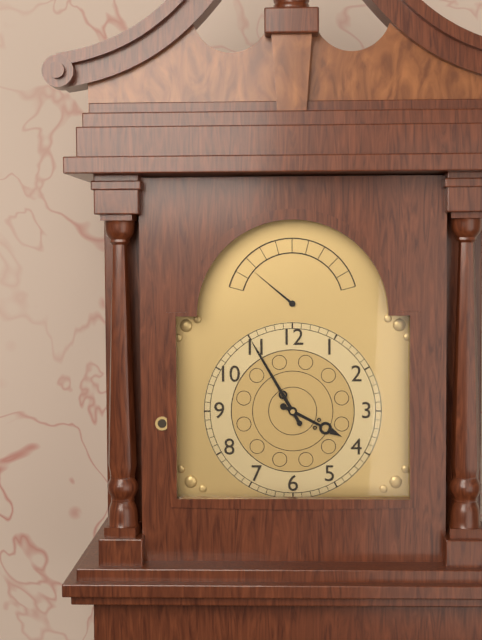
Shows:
3,55
